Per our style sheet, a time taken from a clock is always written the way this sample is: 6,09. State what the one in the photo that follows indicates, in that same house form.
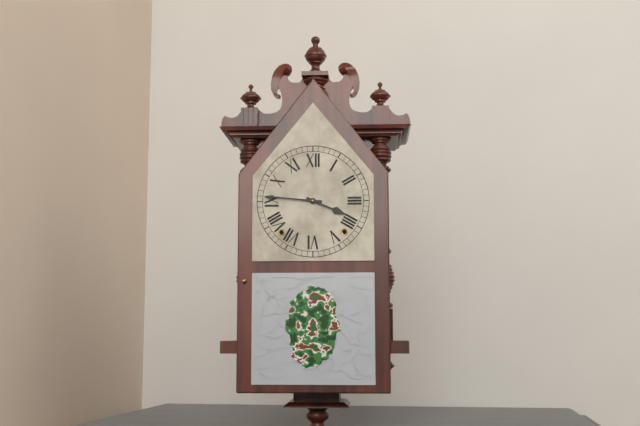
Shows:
3,46
